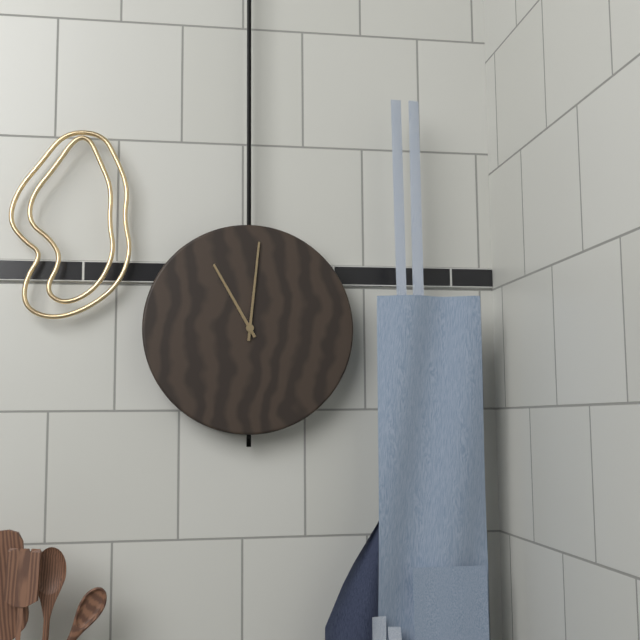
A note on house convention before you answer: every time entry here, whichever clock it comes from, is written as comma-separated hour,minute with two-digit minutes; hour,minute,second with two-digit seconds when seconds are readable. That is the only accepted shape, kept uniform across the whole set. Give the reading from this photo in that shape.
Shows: 11,01
